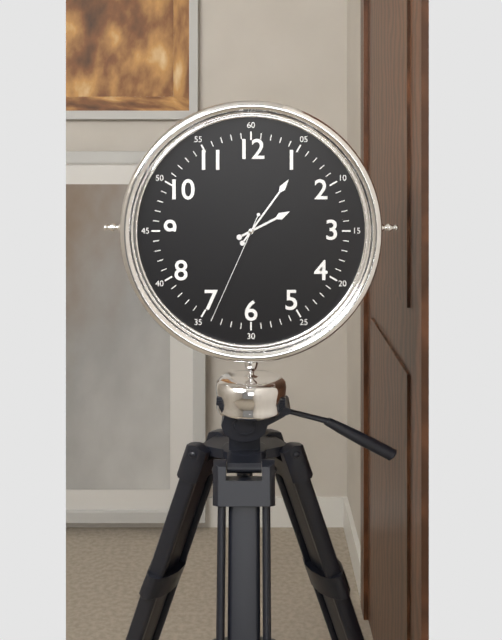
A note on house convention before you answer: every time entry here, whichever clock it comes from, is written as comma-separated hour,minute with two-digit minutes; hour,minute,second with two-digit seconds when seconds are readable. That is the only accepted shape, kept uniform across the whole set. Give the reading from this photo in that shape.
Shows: 2,06,34
